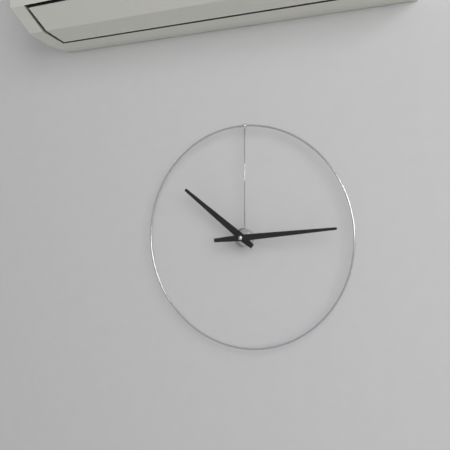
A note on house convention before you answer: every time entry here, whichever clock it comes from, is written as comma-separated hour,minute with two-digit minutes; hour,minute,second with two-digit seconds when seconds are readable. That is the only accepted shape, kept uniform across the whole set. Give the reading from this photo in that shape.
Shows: 10,14
